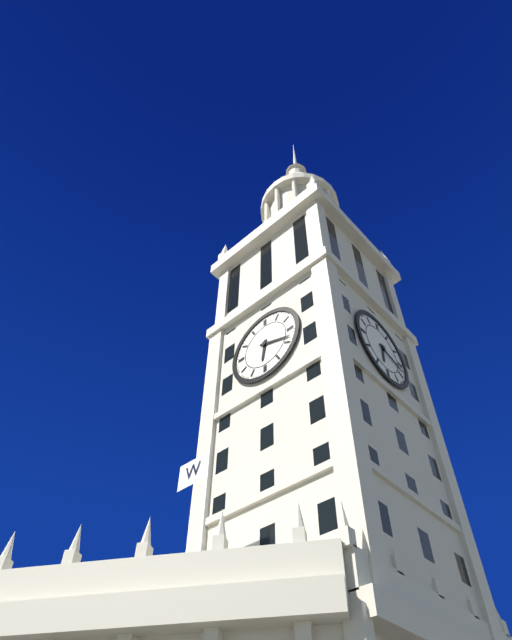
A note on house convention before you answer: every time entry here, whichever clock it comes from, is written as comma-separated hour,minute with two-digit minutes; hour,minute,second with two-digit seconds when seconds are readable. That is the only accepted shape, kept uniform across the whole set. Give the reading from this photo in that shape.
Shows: 6,18
